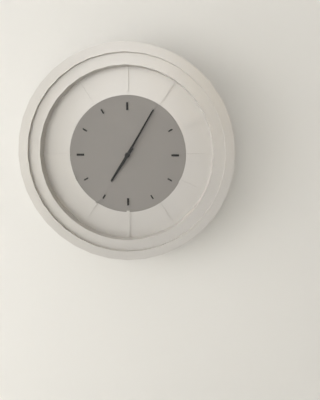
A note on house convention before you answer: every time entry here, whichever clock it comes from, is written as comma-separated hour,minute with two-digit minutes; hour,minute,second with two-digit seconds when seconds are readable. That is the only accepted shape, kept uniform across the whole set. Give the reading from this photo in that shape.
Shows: 7,05
